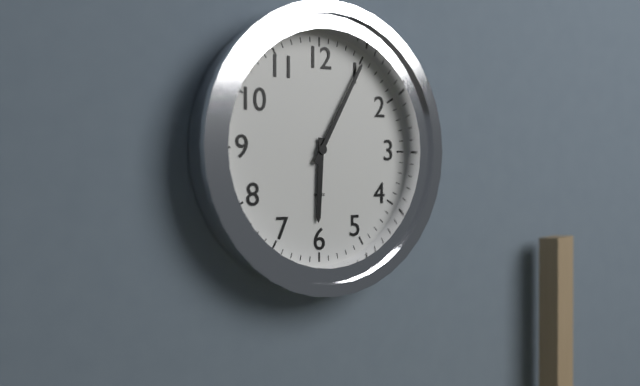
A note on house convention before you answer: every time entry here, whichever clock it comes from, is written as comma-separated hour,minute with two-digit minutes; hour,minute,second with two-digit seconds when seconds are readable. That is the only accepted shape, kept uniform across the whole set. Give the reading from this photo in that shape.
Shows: 6,05
